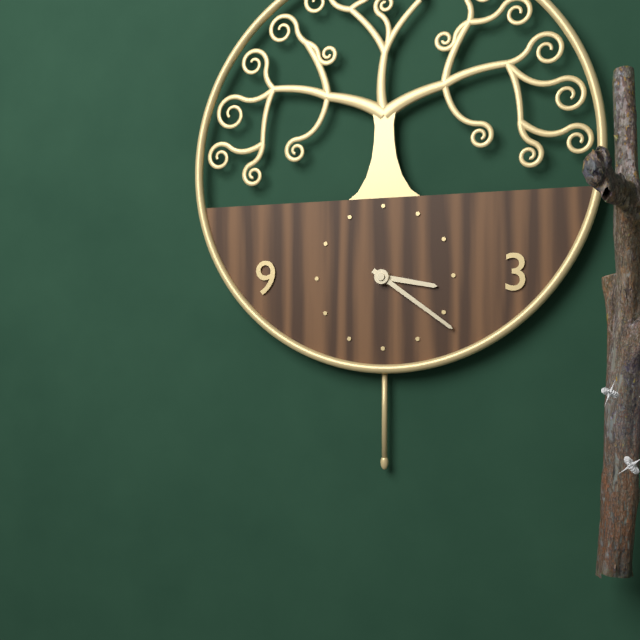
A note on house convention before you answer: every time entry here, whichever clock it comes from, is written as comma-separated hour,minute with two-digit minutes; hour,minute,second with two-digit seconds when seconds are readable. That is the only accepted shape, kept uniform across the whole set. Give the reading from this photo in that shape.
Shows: 3,21
